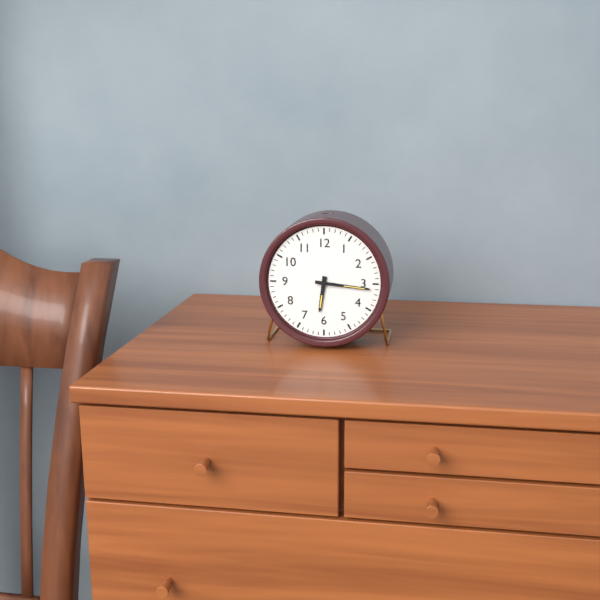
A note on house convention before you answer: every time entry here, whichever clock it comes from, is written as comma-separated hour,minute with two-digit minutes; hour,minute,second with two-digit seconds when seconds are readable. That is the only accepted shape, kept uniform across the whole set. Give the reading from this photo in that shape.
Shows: 6,16
